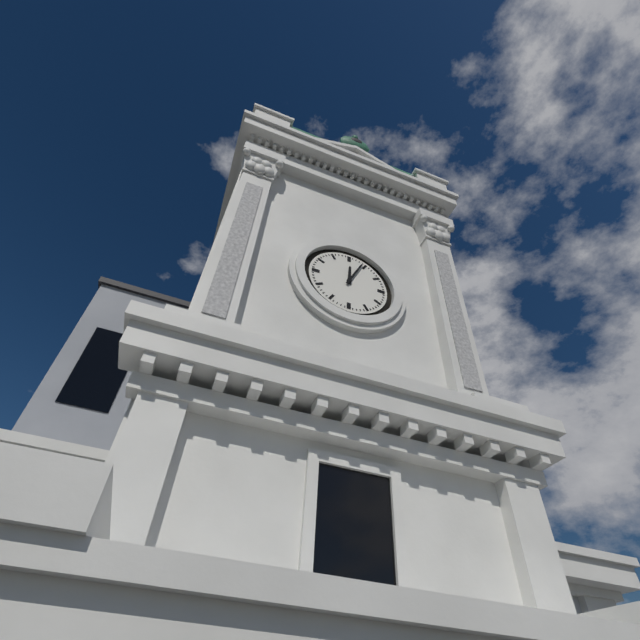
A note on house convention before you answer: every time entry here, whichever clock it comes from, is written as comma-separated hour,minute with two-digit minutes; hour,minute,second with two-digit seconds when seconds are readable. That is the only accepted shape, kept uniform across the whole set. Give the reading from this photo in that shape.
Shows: 12,04
